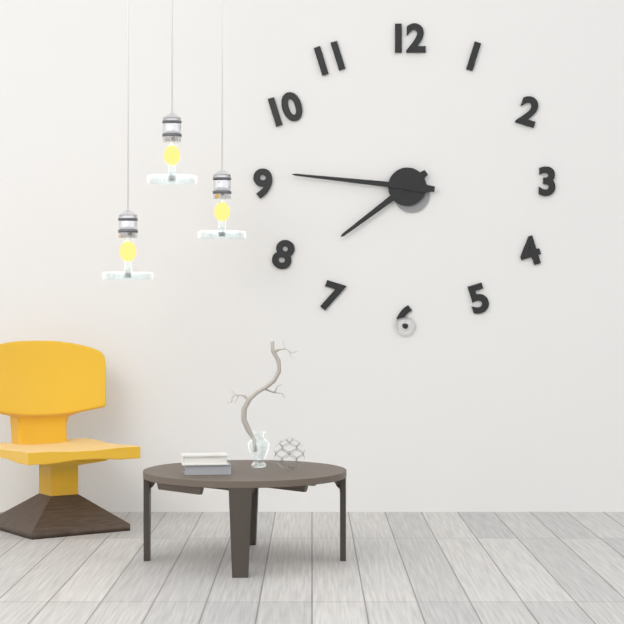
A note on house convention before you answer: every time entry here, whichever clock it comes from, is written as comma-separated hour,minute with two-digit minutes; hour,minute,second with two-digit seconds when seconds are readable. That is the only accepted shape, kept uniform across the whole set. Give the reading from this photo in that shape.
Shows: 7,46
